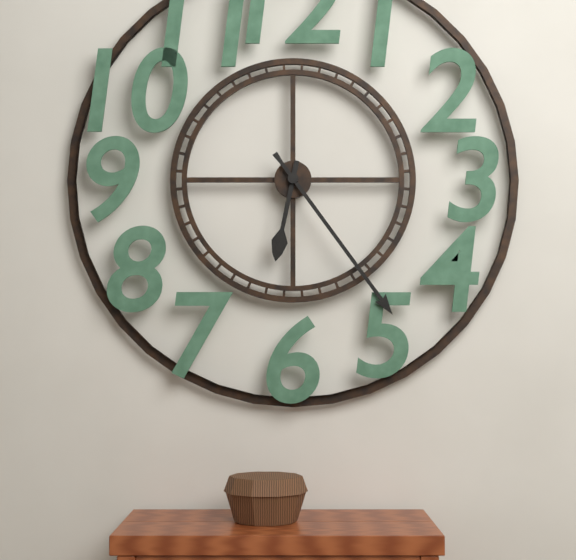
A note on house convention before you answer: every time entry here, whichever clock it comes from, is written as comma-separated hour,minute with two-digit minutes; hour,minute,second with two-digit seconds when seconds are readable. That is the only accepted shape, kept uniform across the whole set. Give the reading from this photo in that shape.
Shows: 6,24
